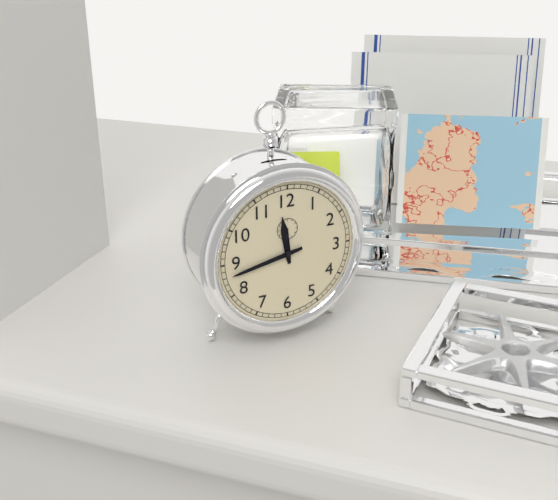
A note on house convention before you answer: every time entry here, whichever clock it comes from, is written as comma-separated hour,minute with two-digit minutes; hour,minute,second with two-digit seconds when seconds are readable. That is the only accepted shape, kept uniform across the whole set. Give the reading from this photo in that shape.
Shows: 11,43
